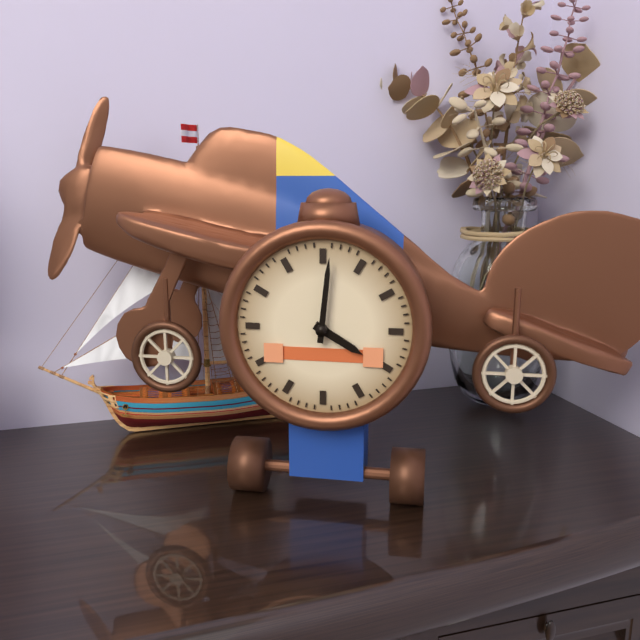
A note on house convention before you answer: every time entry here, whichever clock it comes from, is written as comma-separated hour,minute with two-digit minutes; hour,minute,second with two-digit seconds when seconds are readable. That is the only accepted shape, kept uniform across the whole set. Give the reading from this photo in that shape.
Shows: 4,01
